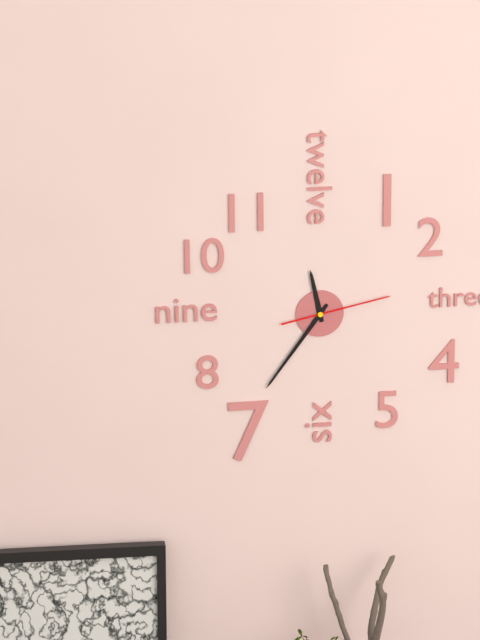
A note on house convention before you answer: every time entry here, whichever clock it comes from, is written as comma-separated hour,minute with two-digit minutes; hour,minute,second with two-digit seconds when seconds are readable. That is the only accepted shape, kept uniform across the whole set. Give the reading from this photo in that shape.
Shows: 11,36,13
